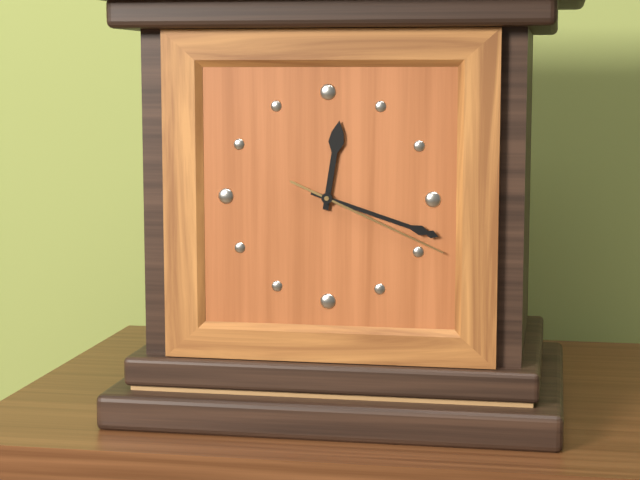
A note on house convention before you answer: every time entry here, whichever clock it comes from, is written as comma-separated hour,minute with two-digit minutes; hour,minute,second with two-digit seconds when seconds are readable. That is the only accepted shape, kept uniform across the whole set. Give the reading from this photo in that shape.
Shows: 12,18,19
